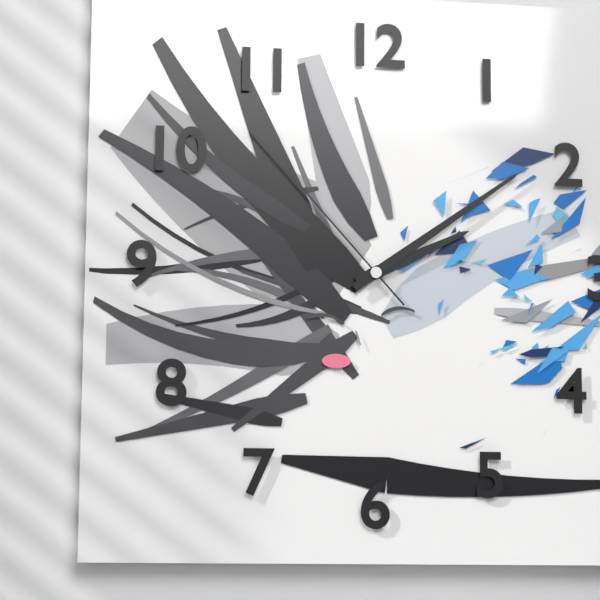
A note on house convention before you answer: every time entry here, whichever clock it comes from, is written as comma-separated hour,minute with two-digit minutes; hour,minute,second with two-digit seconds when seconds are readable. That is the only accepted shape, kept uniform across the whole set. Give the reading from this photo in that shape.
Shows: 2,09,53
